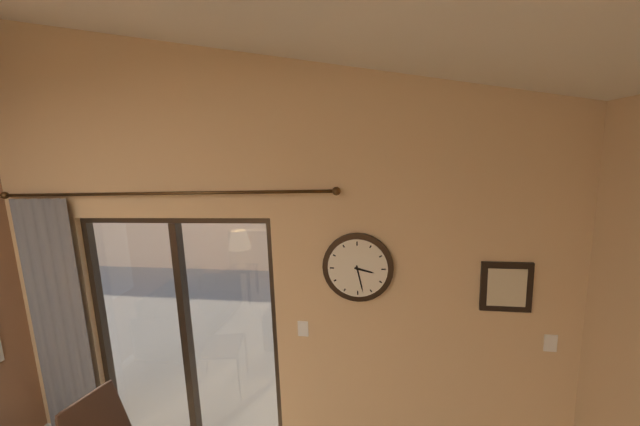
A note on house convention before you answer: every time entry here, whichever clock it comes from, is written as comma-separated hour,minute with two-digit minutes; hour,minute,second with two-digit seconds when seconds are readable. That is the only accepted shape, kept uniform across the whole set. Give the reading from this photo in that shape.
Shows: 3,28
